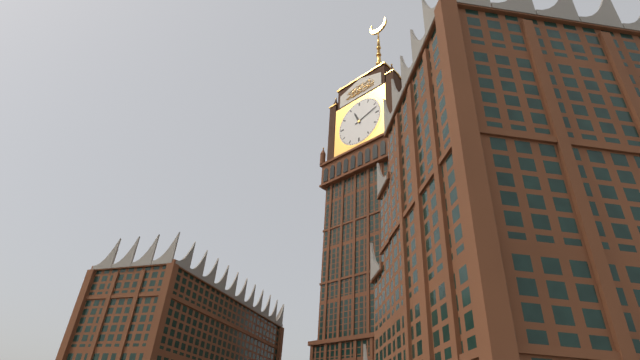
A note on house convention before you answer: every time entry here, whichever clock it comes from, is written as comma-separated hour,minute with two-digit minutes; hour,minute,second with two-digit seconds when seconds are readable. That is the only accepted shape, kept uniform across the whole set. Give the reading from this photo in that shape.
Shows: 11,12
